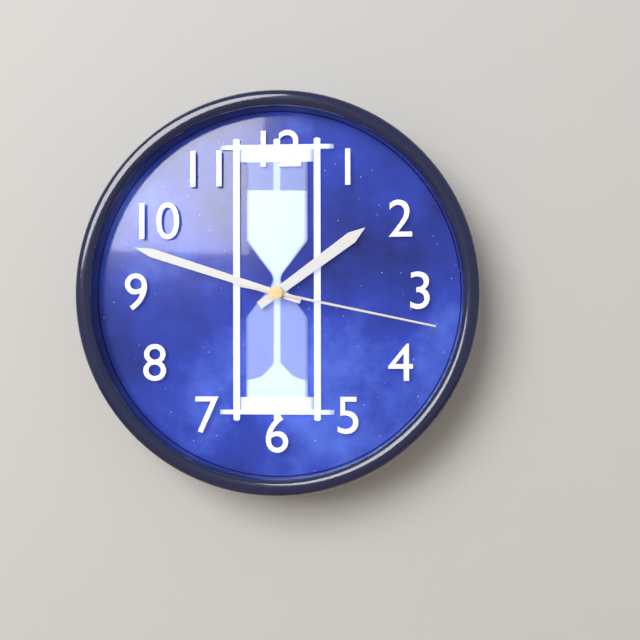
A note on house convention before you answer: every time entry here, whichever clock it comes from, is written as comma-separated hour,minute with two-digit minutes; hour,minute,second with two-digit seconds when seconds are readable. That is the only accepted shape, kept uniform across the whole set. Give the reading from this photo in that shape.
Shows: 1,48,17
